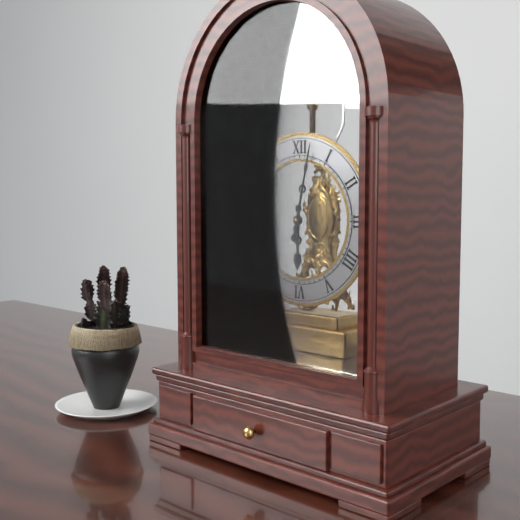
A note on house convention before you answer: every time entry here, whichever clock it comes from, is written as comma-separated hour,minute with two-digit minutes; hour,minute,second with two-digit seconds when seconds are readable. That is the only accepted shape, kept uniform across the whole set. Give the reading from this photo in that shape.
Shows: 6,02
